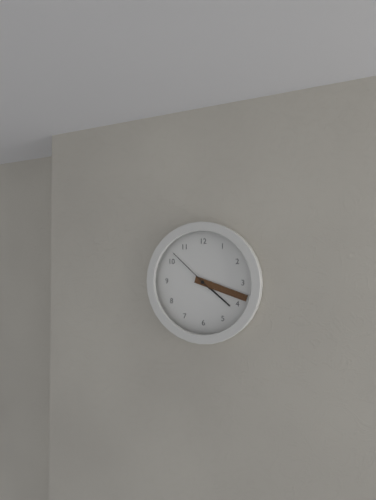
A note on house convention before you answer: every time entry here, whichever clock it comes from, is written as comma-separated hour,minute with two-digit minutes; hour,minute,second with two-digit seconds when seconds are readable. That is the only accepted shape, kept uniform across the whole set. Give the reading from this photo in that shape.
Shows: 4,18,52
